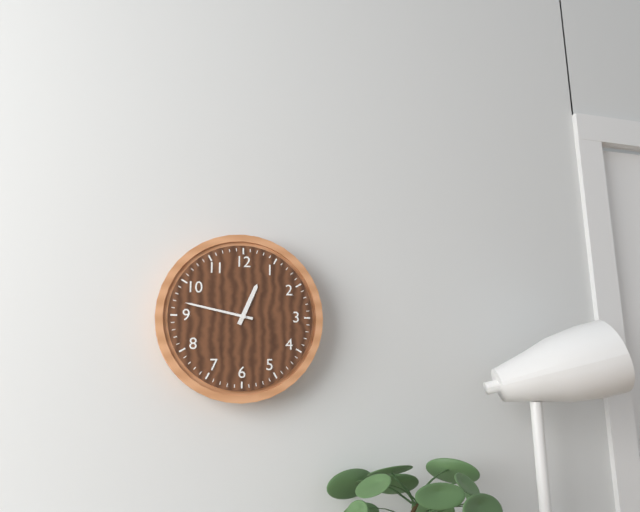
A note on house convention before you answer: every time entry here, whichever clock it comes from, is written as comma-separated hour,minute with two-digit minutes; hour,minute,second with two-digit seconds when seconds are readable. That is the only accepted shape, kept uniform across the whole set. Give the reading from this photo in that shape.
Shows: 12,47
